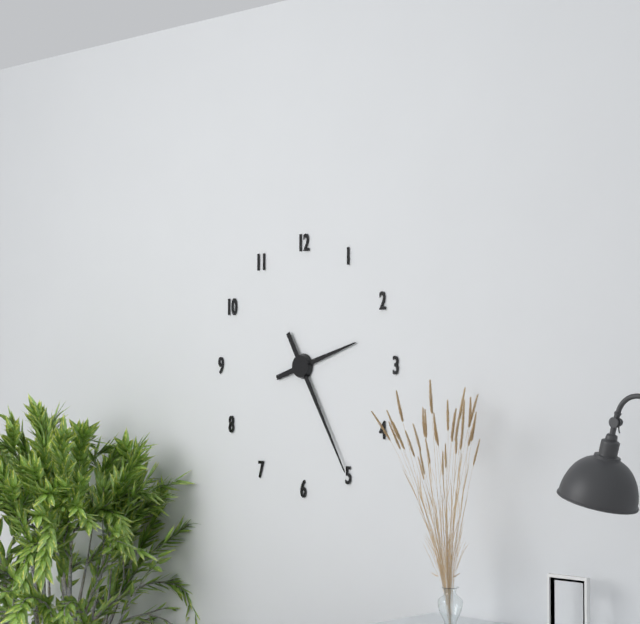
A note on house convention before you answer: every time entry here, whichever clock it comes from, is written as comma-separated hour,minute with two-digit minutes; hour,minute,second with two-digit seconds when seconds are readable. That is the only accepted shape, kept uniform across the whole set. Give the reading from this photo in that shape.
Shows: 2,25
